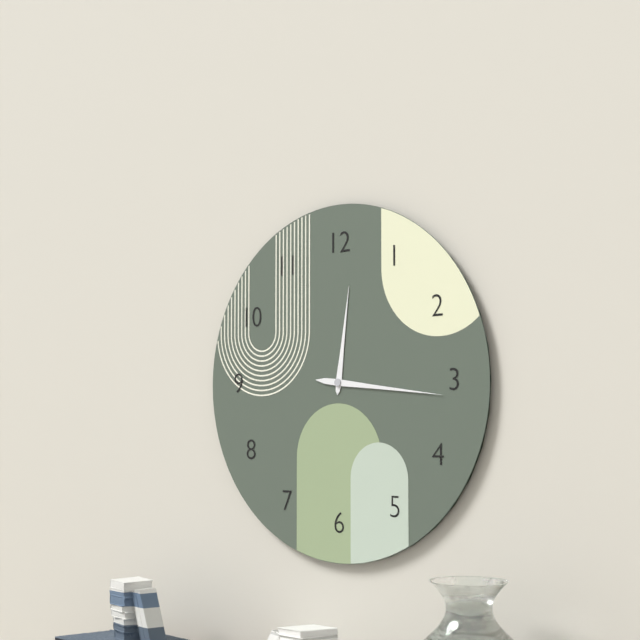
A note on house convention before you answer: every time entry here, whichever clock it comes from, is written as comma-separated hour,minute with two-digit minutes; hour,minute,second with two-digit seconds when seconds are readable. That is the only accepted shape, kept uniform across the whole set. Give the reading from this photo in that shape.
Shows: 12,16
